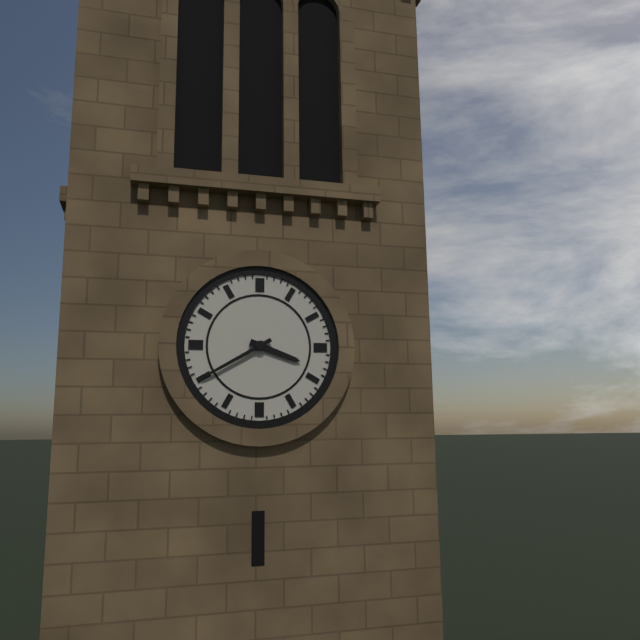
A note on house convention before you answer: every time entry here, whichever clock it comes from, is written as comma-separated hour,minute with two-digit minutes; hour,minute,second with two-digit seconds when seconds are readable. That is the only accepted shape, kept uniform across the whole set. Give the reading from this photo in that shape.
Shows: 3,40
